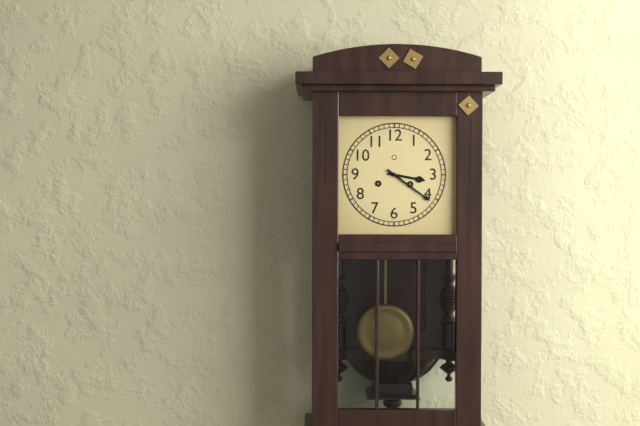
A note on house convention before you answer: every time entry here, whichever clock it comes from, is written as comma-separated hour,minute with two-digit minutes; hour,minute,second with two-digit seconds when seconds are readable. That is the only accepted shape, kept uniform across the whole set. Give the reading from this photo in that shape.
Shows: 3,21
